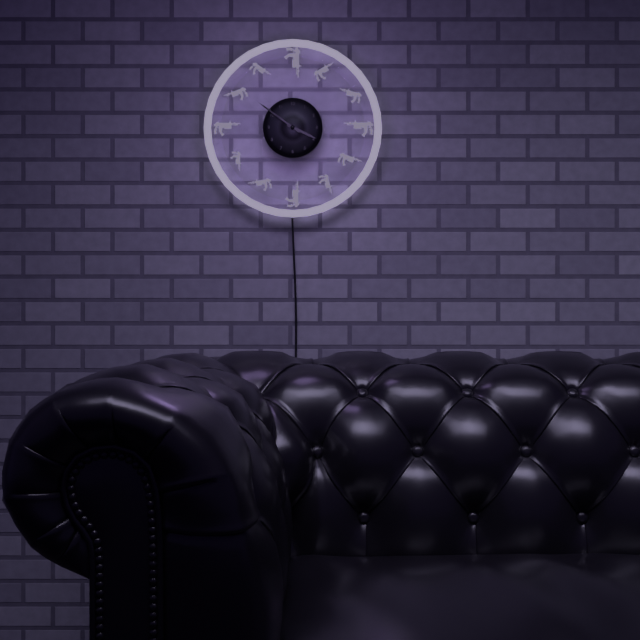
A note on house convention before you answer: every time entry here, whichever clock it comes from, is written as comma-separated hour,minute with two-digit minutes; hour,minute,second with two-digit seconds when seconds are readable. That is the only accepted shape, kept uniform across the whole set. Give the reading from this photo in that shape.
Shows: 3,51
